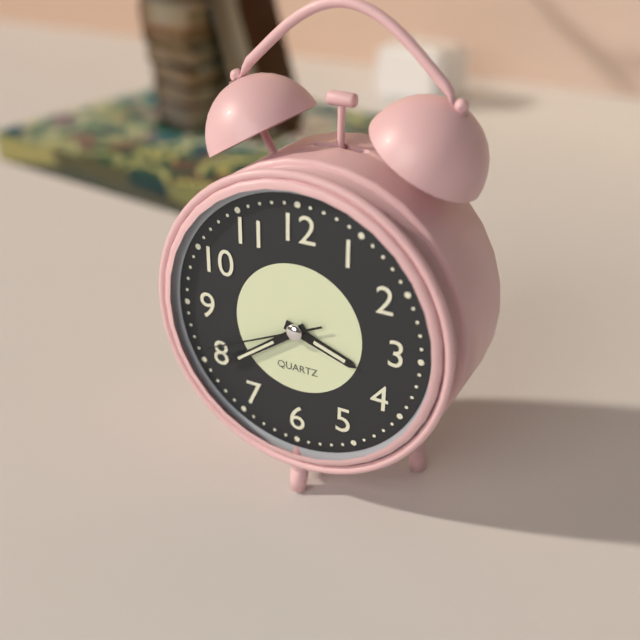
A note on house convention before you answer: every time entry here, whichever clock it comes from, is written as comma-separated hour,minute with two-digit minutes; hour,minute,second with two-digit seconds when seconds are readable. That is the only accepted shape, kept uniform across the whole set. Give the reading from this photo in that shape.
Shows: 3,39,41
